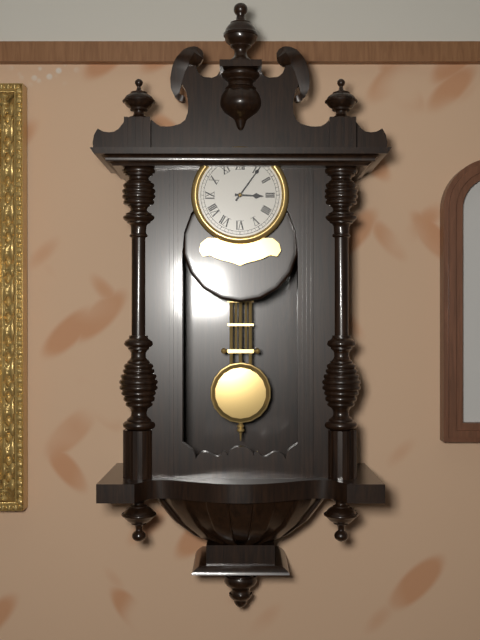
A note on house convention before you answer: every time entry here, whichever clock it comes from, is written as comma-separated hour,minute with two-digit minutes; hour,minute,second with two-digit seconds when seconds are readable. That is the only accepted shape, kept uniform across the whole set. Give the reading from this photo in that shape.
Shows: 3,06
